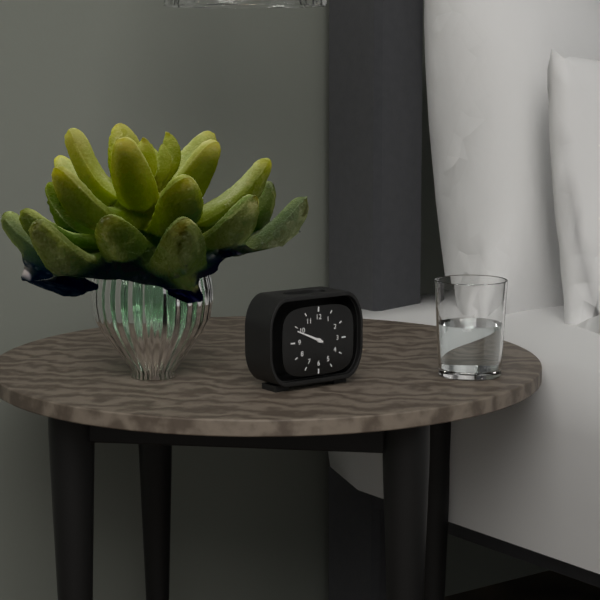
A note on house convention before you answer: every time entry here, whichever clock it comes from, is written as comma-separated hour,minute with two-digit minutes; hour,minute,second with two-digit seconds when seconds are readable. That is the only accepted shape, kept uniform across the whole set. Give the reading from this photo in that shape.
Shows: 9,49
